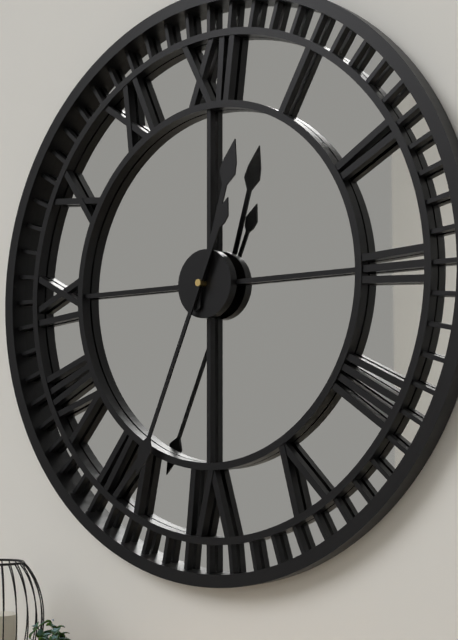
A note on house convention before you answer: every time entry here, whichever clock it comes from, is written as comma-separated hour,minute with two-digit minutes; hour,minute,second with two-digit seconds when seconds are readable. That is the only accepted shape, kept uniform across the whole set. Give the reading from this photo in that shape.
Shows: 12,34
